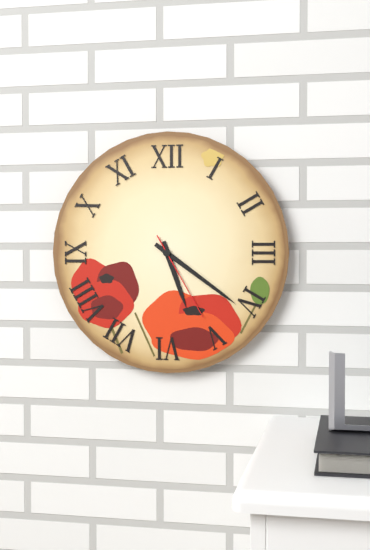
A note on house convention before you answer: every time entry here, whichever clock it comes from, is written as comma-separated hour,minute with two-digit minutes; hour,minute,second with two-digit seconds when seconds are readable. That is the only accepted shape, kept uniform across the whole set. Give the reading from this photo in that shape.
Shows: 5,21,25
